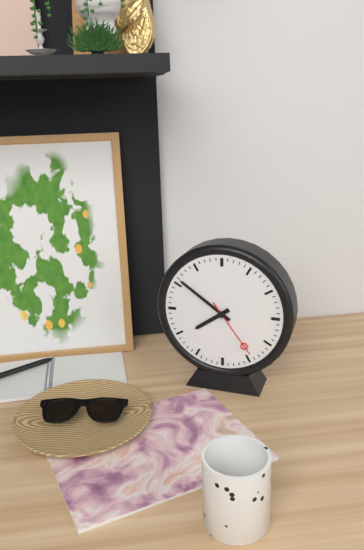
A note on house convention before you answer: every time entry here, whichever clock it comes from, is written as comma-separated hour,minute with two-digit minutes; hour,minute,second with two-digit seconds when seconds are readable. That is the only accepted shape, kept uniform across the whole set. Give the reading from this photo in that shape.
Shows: 7,51,24
